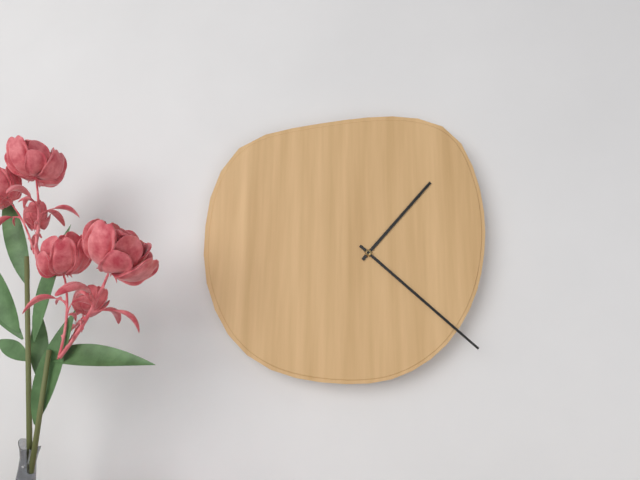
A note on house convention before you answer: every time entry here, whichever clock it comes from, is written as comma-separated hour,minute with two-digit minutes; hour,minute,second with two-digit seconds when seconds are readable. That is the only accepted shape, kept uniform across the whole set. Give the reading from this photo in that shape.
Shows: 1,22
